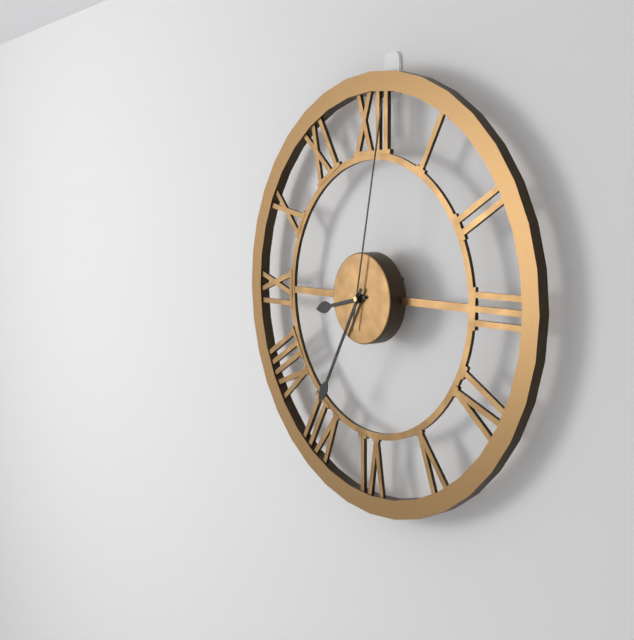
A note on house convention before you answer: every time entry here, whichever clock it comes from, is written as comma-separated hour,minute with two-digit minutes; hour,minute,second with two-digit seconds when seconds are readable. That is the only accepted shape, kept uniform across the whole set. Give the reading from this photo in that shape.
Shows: 8,35,02
